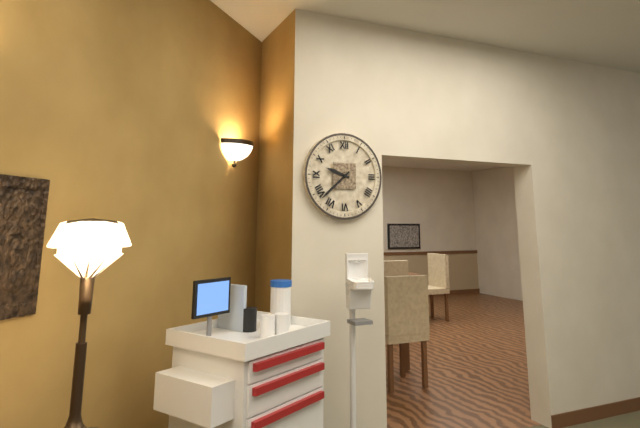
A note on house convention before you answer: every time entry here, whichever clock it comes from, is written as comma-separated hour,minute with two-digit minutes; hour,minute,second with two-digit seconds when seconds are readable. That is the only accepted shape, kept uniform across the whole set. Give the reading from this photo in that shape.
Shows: 9,38
